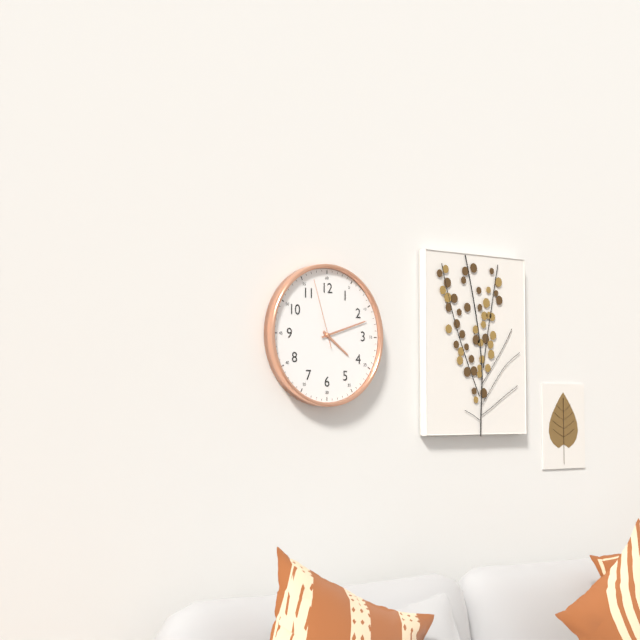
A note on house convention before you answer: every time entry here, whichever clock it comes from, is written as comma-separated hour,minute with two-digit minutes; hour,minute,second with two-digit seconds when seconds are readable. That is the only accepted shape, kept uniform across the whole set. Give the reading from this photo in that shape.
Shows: 4,12,57
